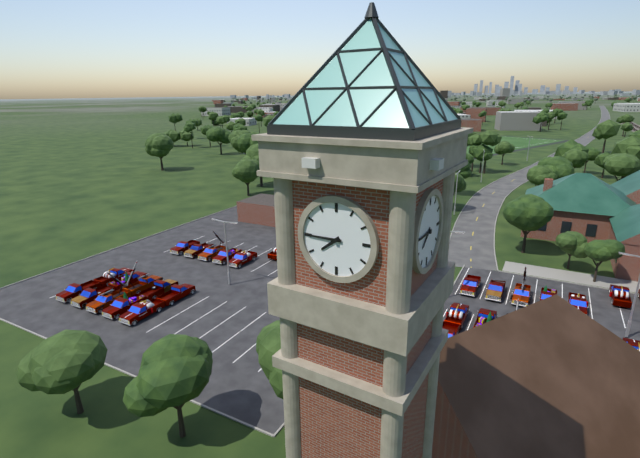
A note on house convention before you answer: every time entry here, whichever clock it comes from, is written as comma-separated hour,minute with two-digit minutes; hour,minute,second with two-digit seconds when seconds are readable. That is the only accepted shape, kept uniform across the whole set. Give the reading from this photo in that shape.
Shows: 7,45
